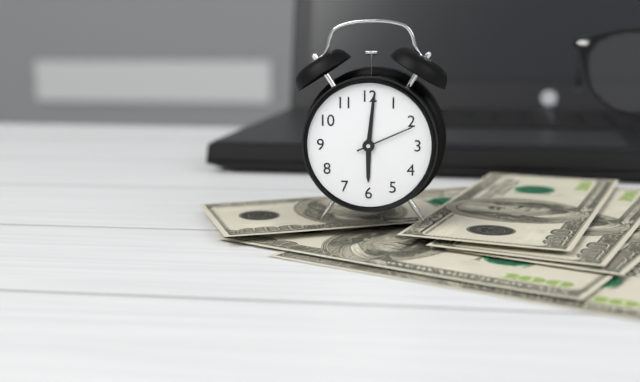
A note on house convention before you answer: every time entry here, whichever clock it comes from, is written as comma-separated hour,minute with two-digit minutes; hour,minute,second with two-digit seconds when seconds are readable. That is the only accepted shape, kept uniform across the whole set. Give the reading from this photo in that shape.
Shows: 6,01,11
